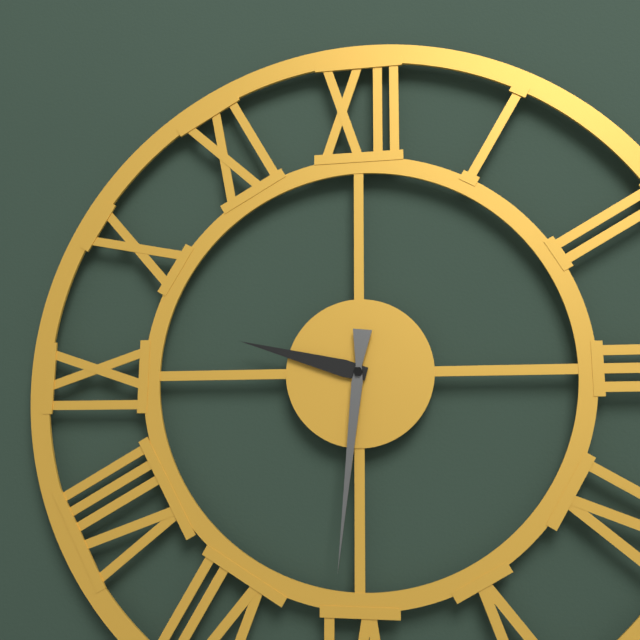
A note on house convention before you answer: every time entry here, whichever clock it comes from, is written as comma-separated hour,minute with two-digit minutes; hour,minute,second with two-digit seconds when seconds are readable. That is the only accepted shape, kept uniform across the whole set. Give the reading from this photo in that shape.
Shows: 9,31
